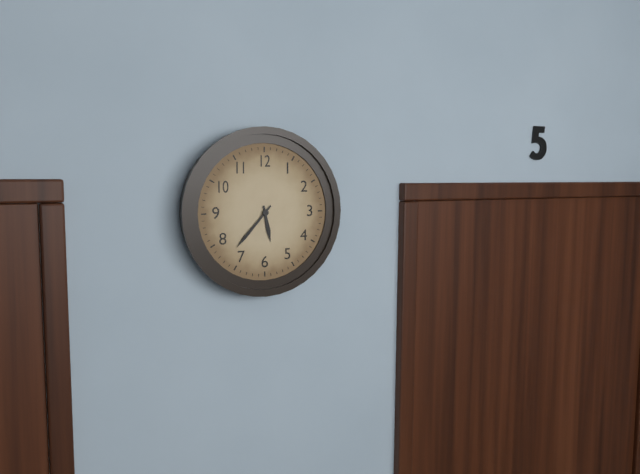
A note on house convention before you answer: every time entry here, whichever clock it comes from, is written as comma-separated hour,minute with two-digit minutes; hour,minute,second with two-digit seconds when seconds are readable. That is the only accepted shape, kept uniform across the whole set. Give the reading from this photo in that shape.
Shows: 5,37
